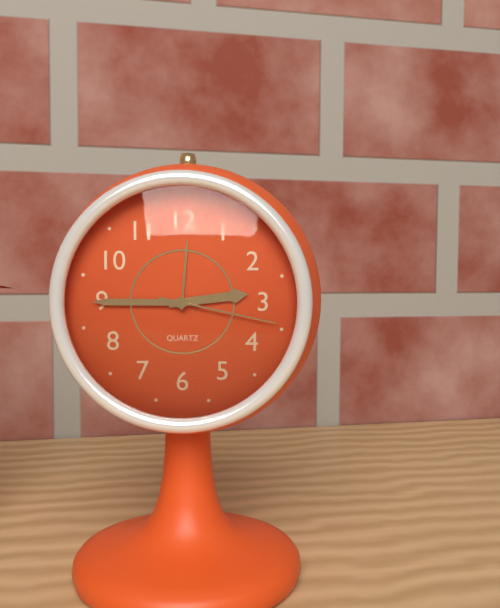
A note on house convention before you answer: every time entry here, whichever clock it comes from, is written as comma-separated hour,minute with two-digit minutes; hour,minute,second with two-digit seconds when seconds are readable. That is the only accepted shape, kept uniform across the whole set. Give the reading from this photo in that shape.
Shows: 2,45,17
